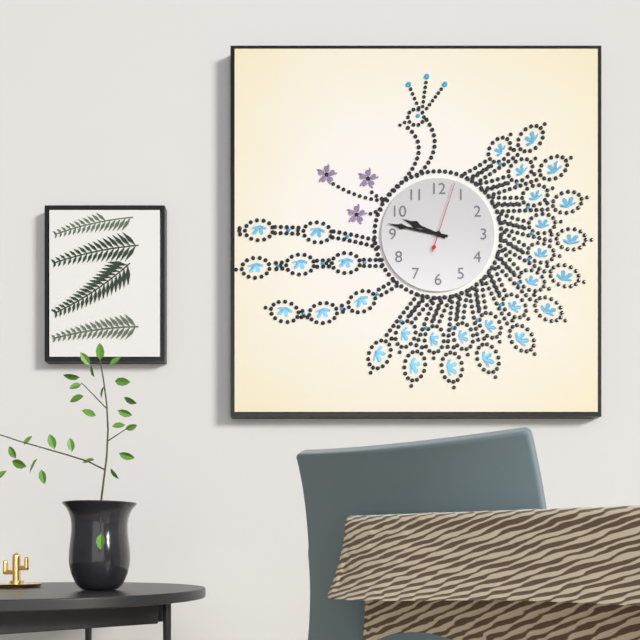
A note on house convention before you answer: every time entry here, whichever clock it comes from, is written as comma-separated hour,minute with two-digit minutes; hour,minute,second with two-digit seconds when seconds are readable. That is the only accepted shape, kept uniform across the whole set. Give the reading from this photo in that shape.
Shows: 9,47,03
